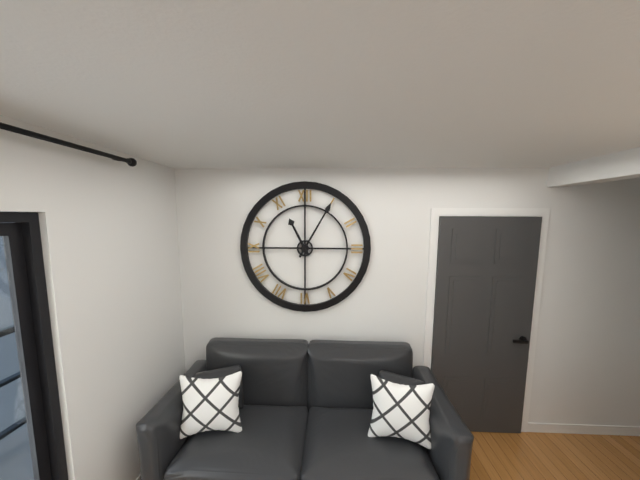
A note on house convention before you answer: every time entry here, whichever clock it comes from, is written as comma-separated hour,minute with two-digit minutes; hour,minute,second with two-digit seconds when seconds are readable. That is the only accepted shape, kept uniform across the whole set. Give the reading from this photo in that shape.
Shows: 11,05
